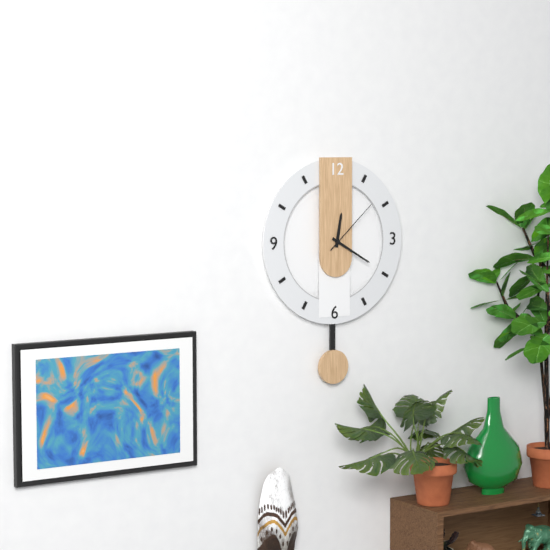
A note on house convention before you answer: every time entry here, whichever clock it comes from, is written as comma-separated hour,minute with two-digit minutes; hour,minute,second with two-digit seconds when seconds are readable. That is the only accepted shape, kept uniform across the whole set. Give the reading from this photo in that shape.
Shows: 12,20,08
